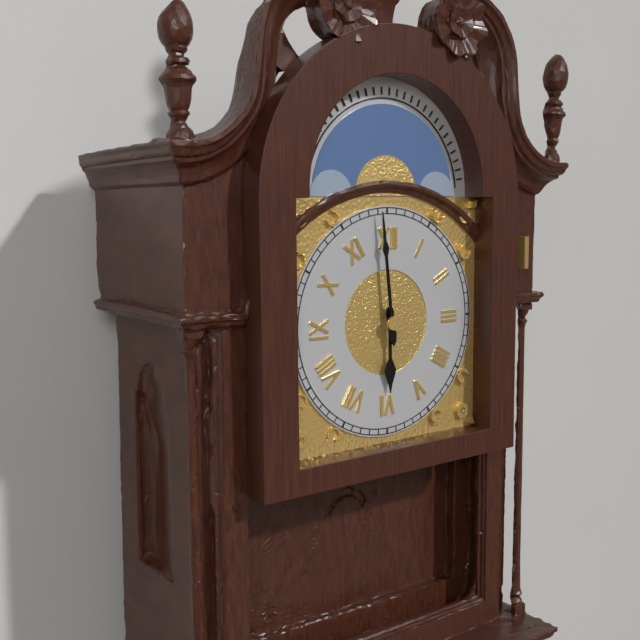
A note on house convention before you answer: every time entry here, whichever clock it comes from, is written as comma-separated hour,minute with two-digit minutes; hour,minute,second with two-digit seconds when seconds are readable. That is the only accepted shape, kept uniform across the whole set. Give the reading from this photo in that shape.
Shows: 5,59
